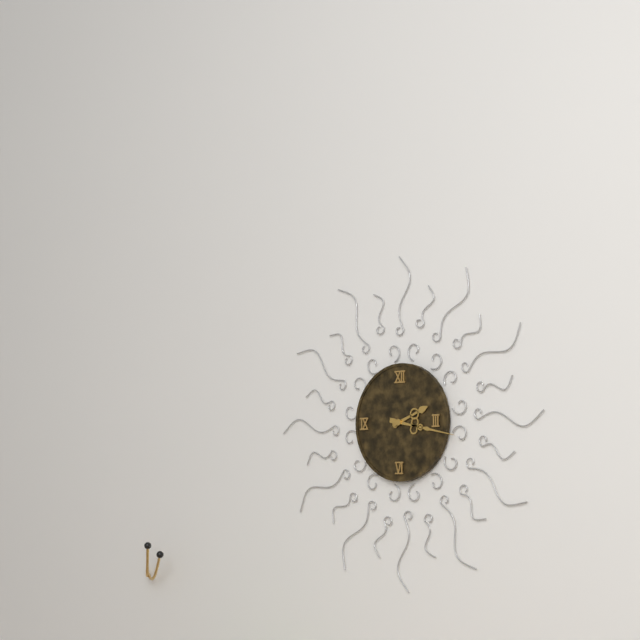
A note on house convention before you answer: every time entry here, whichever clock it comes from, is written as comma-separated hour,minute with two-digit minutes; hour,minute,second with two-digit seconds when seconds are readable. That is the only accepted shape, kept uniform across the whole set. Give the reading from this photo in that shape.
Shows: 2,17
